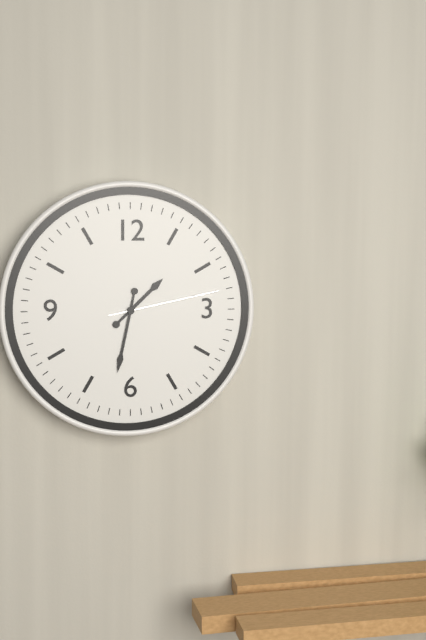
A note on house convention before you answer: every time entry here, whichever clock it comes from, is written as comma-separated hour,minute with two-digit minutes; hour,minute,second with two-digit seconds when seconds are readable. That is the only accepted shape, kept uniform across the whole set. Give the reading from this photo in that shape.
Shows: 1,32,13
